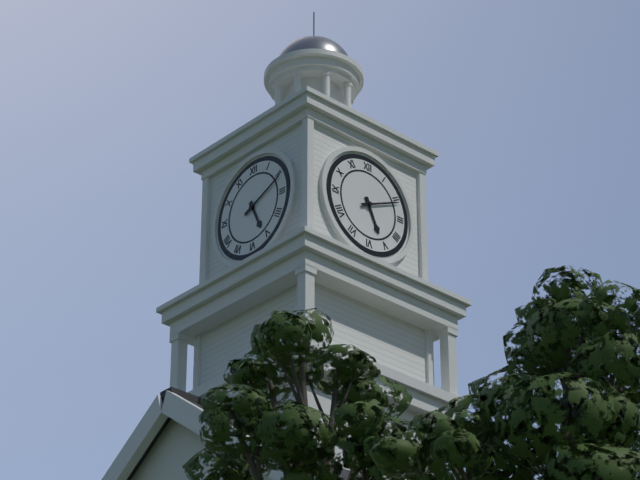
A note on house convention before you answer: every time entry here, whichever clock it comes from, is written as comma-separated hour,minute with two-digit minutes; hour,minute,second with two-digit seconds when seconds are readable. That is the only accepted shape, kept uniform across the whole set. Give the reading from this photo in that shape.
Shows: 5,11
